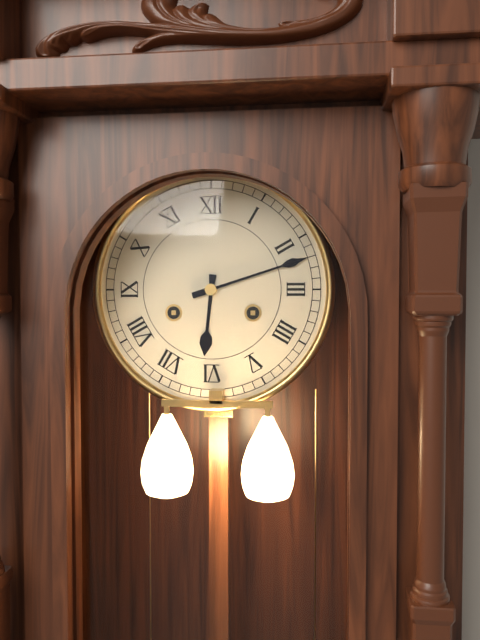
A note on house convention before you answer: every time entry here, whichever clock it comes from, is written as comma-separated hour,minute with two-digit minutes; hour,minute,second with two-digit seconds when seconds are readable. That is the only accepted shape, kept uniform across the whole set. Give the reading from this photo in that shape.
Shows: 6,12
